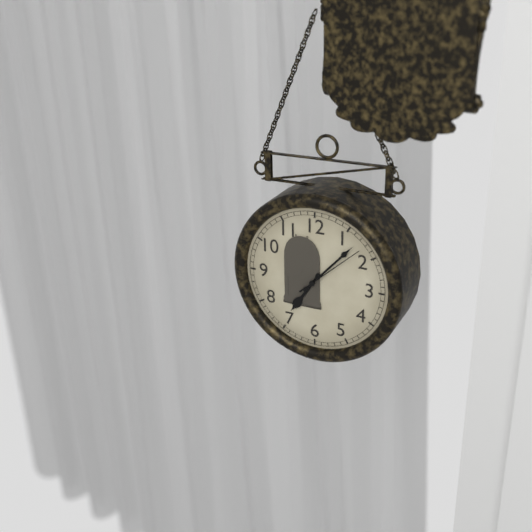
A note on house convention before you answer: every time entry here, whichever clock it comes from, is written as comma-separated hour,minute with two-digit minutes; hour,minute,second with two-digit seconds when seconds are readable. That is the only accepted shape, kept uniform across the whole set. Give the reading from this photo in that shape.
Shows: 7,07,08
